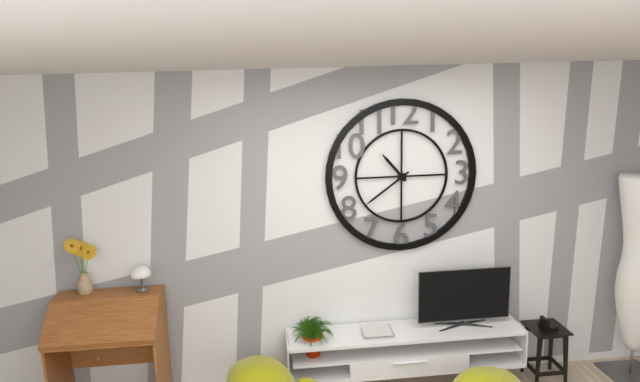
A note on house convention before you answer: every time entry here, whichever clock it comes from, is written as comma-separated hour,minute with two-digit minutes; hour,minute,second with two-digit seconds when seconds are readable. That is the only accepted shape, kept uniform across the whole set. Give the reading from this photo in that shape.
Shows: 10,39
